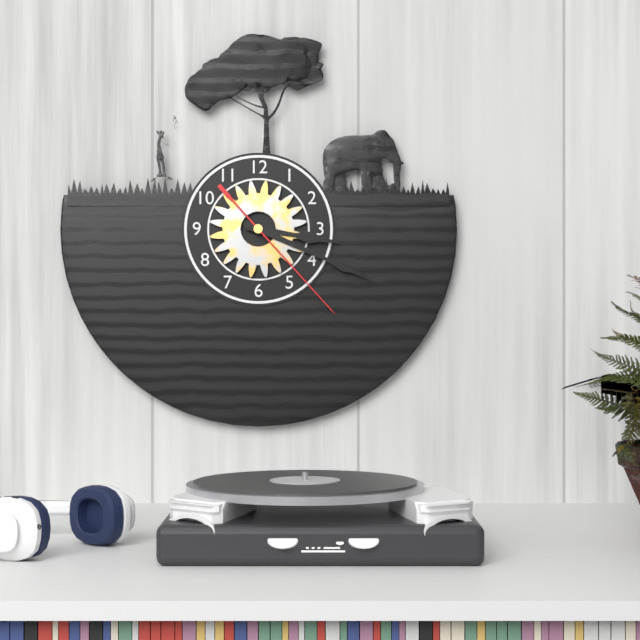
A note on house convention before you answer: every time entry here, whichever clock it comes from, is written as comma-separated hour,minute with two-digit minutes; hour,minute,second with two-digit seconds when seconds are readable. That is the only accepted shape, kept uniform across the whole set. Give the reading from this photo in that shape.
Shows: 3,19,23
